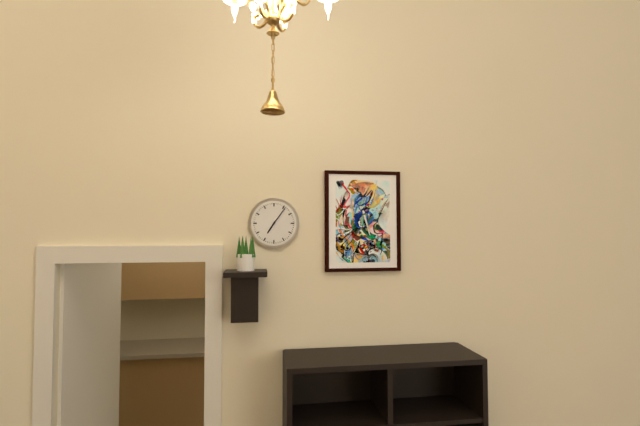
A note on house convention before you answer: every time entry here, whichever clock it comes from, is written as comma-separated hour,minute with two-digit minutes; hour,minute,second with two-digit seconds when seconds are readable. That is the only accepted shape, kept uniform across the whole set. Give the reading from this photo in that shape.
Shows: 7,06
